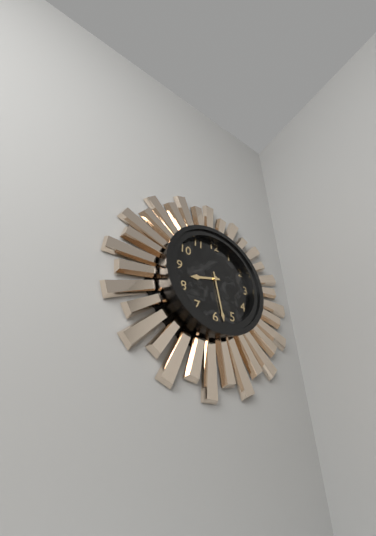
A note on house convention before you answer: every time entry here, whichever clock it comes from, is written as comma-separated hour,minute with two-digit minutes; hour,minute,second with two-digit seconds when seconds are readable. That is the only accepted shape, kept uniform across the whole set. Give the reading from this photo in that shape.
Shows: 8,28
